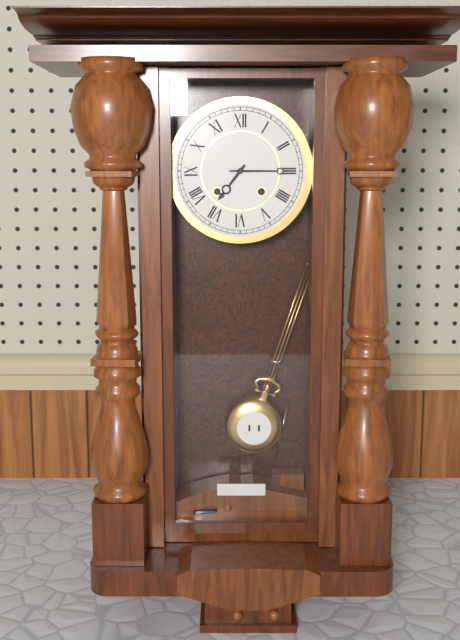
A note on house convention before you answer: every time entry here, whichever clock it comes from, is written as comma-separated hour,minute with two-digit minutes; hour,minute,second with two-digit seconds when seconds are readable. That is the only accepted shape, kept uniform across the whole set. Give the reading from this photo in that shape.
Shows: 7,15
